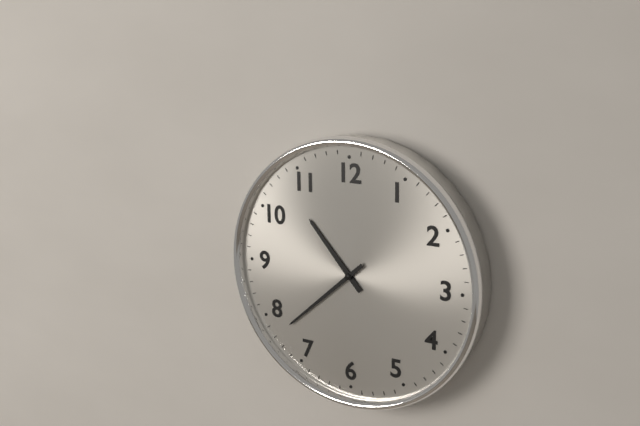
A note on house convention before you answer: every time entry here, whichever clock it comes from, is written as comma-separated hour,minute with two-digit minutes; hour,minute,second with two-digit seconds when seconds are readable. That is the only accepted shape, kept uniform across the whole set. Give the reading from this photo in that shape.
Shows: 10,38
